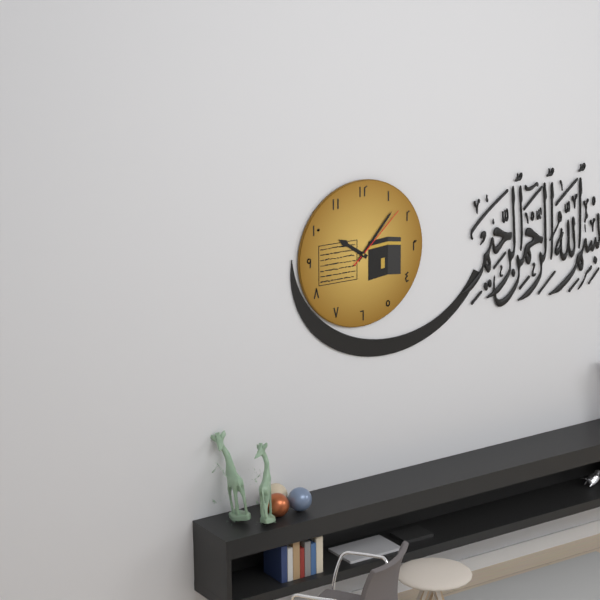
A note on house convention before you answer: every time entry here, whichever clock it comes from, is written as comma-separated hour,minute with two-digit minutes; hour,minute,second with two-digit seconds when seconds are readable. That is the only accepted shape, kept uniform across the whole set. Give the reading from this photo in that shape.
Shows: 10,07,08
